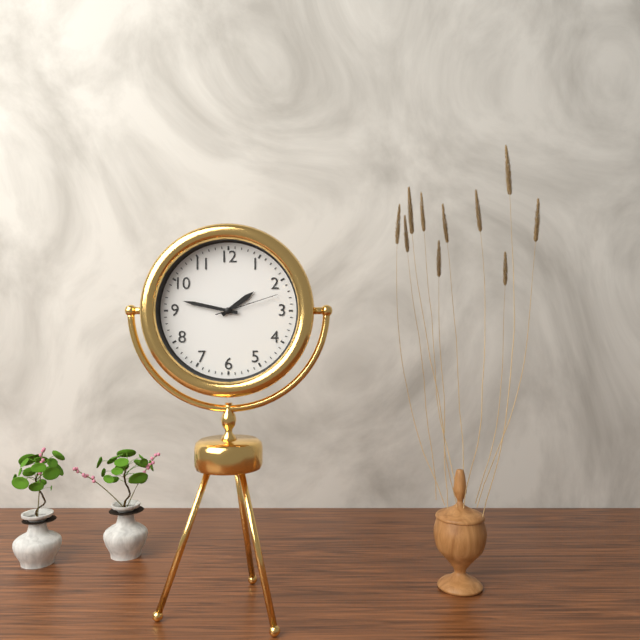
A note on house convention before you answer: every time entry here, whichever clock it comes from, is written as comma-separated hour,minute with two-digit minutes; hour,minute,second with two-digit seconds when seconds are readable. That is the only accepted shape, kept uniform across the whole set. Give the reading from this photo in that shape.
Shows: 1,47,12
